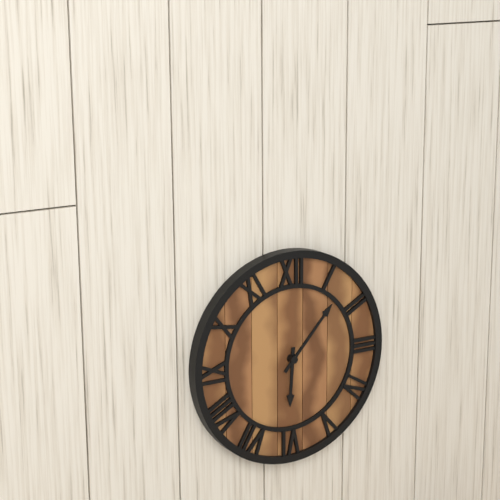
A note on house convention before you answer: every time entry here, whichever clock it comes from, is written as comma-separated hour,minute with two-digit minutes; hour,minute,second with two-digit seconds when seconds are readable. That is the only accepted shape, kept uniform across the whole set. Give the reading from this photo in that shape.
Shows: 6,07
